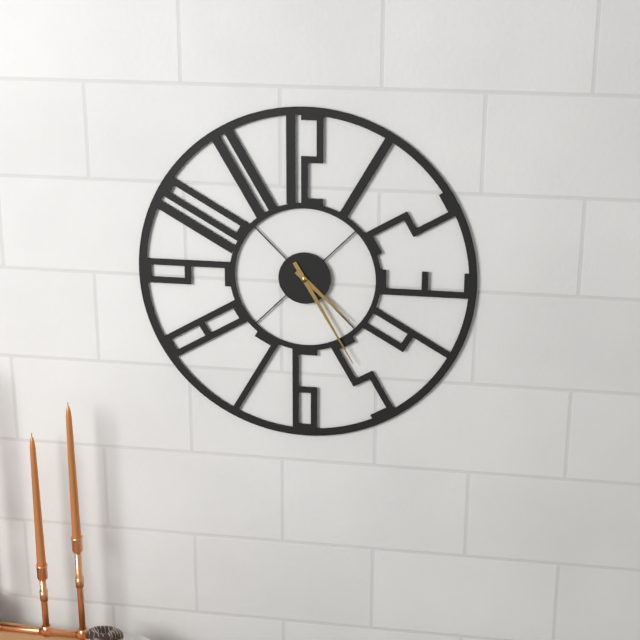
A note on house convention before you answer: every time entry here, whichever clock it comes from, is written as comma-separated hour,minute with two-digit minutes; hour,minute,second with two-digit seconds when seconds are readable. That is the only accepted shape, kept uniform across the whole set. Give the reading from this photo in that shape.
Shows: 4,25
